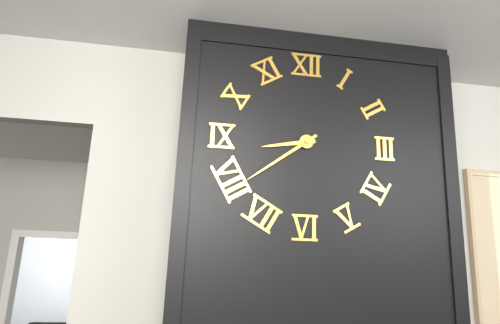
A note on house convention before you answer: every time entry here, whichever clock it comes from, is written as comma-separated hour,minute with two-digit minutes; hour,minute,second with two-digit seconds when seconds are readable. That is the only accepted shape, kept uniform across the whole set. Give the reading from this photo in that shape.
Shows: 8,39
